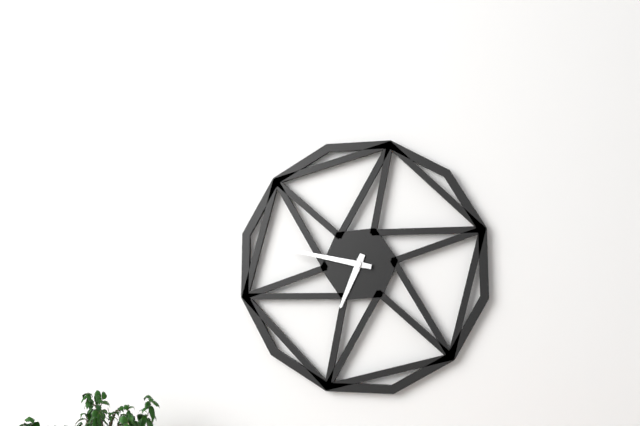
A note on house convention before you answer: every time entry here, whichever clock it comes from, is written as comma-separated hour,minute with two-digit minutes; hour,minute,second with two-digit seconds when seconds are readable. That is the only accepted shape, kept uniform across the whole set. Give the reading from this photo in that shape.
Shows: 6,47
